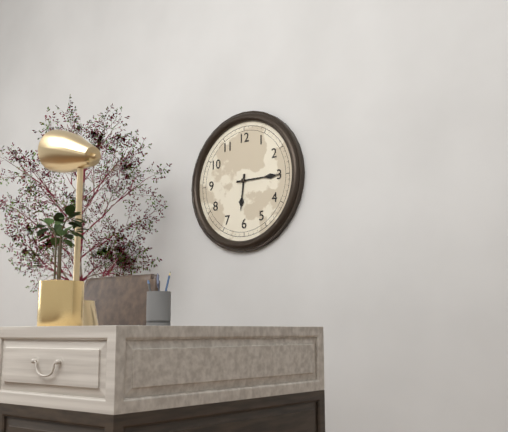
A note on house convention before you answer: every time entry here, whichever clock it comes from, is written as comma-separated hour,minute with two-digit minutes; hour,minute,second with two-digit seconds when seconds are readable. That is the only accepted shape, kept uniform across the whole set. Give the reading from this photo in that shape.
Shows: 6,15
